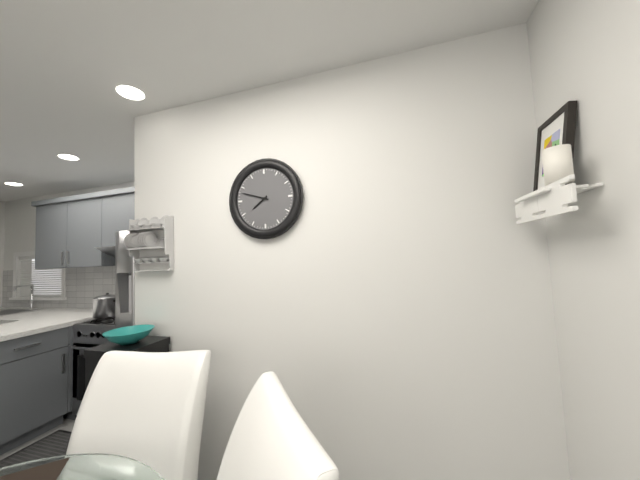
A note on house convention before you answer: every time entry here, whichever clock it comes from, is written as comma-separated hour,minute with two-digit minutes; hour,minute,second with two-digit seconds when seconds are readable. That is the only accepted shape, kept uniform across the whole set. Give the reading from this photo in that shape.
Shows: 7,48
